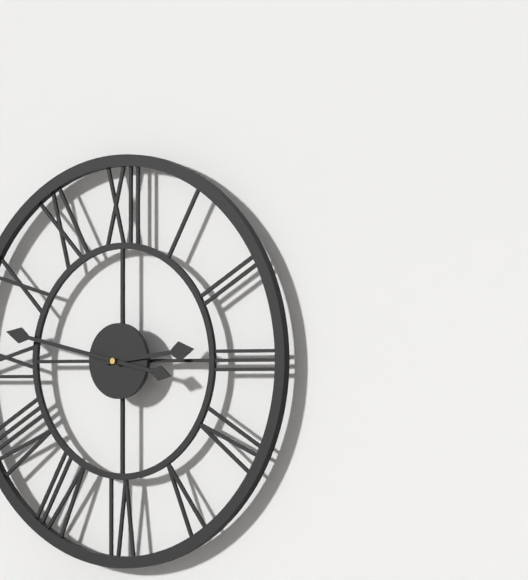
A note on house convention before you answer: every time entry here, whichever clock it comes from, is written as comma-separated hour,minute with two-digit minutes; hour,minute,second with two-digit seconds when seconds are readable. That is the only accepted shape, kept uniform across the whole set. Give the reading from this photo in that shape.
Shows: 2,47
